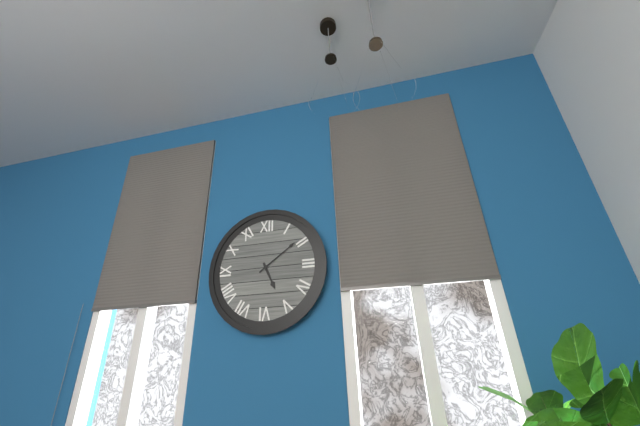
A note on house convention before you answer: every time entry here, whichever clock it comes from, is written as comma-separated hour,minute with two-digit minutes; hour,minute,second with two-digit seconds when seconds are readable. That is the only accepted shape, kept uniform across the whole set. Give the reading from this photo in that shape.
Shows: 5,09
